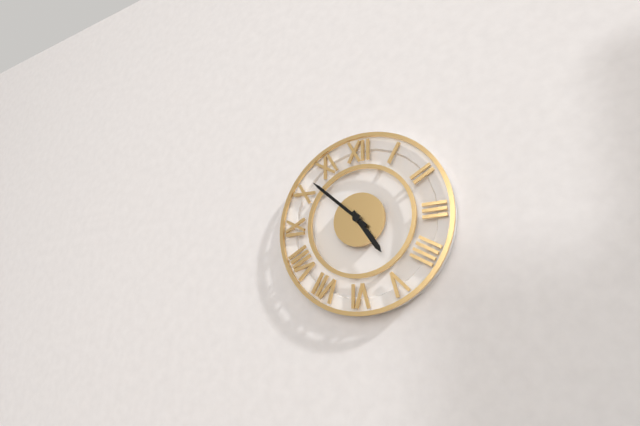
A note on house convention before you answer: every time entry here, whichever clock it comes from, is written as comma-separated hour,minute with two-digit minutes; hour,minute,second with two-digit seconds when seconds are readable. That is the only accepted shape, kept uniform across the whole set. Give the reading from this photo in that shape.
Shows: 4,52
